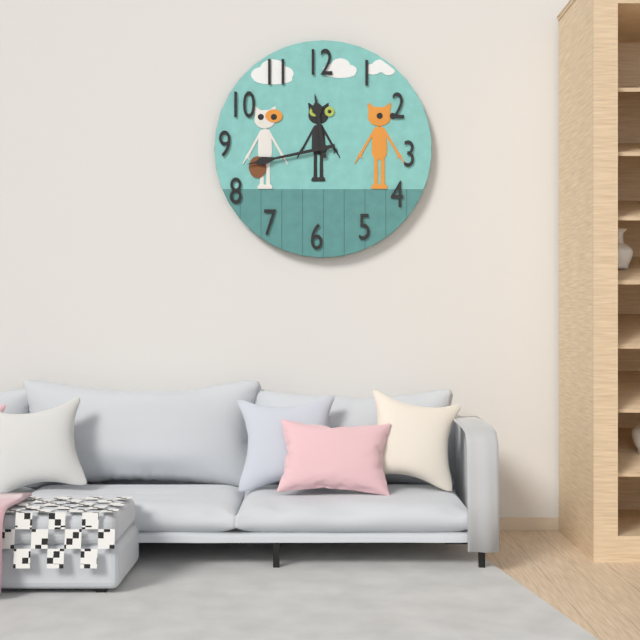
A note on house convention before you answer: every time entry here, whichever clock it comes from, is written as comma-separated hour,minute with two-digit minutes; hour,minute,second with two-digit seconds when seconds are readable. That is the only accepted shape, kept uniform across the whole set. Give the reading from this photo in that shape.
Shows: 11,43
